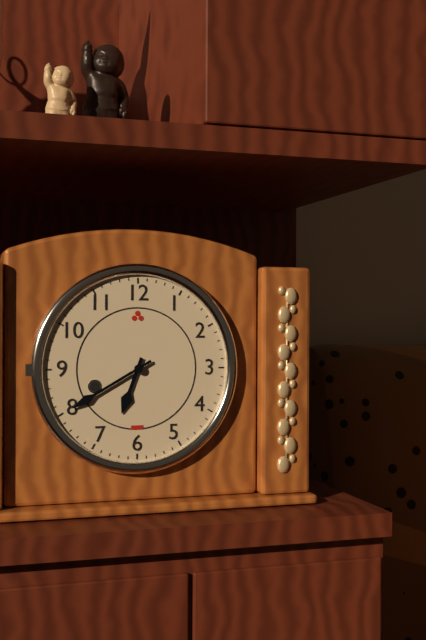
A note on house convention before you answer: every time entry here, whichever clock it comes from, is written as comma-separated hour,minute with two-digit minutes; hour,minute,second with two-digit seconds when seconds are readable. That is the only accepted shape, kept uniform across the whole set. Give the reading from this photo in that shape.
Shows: 6,40
